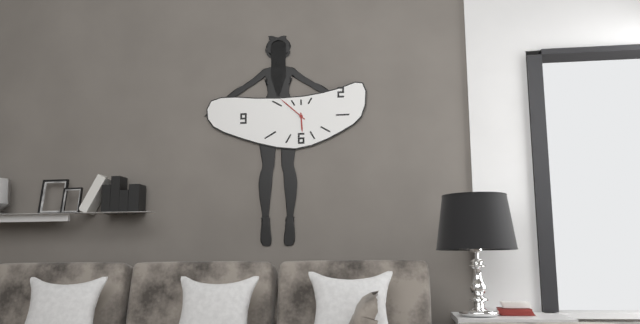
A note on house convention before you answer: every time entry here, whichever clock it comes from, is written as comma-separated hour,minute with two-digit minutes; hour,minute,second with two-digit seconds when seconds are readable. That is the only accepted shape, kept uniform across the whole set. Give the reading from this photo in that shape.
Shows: 5,52
